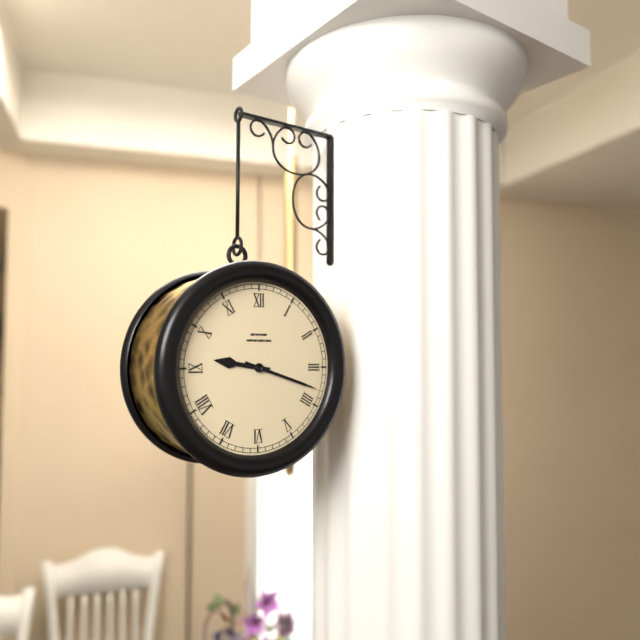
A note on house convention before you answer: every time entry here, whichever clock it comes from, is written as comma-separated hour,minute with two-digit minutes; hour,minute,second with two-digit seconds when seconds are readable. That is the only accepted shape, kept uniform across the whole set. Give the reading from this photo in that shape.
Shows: 9,18
